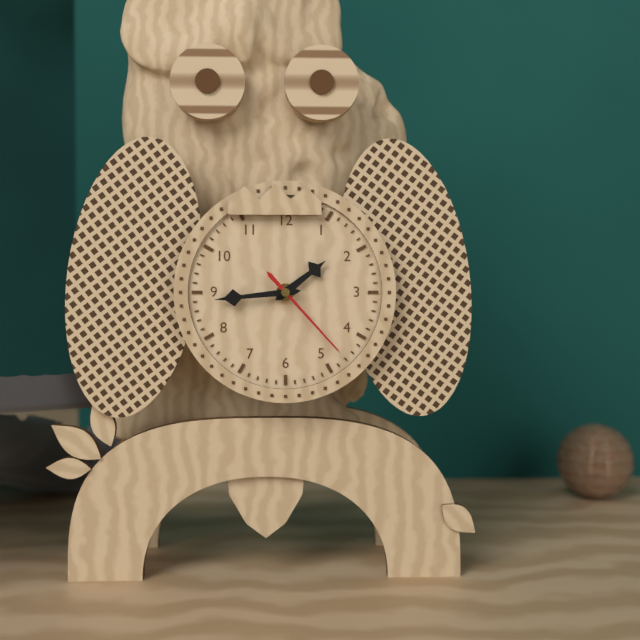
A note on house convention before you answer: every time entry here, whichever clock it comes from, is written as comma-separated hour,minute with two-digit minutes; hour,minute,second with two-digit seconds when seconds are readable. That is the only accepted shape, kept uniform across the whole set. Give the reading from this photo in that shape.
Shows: 1,44,23
